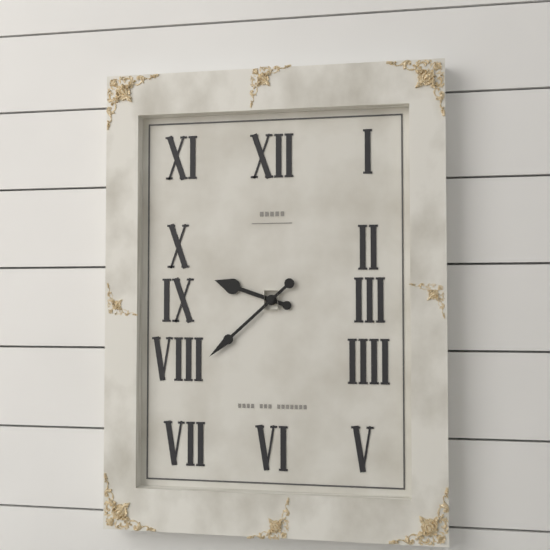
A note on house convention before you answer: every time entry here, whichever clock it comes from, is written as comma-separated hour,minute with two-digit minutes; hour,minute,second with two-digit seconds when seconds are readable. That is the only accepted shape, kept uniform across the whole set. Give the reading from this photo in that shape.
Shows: 9,38
